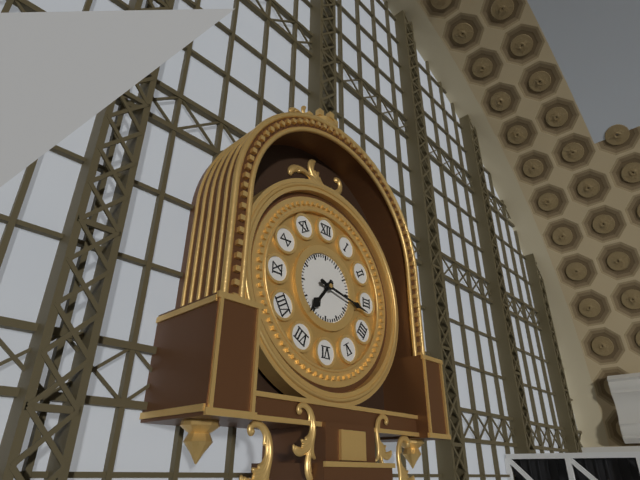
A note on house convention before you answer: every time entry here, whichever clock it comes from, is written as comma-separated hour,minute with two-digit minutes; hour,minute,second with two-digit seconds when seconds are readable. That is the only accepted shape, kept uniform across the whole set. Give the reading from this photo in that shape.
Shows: 7,17
